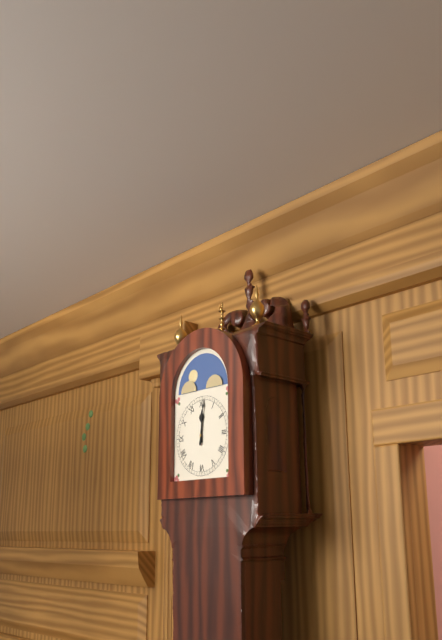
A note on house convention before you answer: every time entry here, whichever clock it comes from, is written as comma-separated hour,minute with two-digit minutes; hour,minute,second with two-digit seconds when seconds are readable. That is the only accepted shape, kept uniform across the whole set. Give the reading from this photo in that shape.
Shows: 12,01
